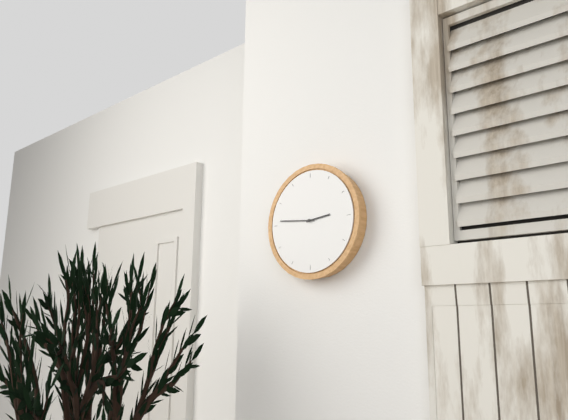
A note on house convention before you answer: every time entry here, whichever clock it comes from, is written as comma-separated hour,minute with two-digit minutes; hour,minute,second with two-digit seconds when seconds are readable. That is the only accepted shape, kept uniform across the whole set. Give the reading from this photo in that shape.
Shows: 2,46
